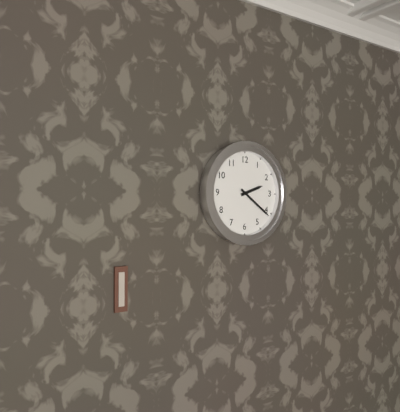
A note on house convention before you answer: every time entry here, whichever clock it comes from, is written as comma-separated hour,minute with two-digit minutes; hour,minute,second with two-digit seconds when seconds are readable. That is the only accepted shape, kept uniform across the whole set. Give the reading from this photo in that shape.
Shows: 2,21
